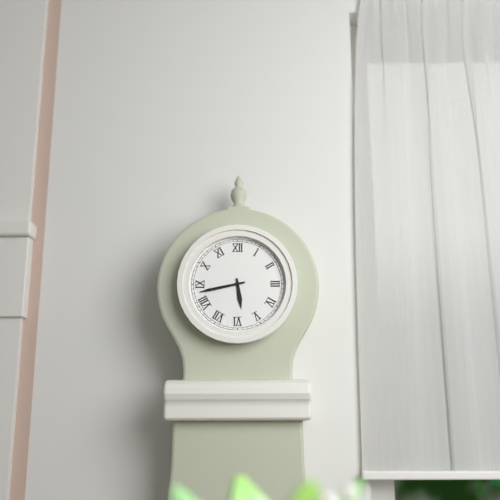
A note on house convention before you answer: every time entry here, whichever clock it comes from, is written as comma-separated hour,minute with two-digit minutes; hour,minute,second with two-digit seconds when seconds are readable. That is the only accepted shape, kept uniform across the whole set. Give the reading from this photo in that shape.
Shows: 5,43
